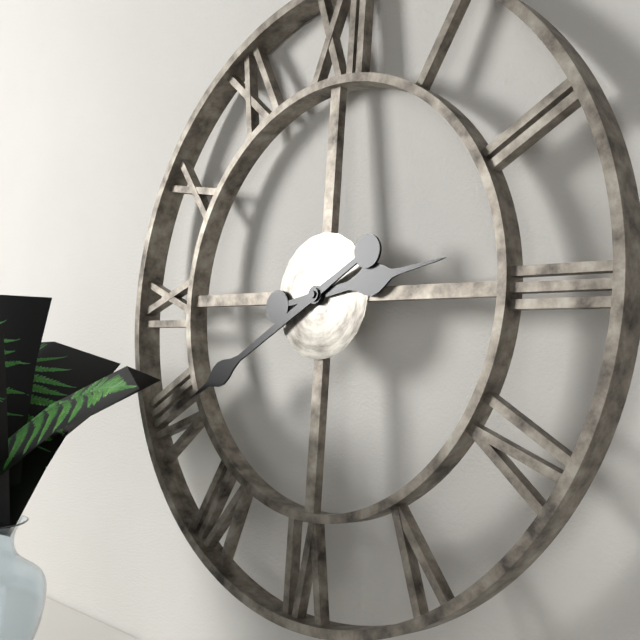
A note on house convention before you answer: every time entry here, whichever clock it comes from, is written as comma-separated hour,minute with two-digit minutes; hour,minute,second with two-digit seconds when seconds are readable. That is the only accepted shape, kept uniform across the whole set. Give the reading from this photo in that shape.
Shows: 2,40
